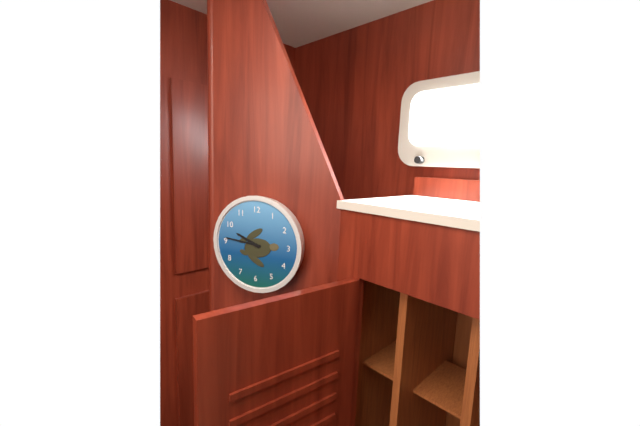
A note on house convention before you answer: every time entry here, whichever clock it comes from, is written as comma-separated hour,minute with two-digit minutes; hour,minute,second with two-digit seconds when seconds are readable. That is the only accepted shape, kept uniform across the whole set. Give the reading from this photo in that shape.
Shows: 9,46
